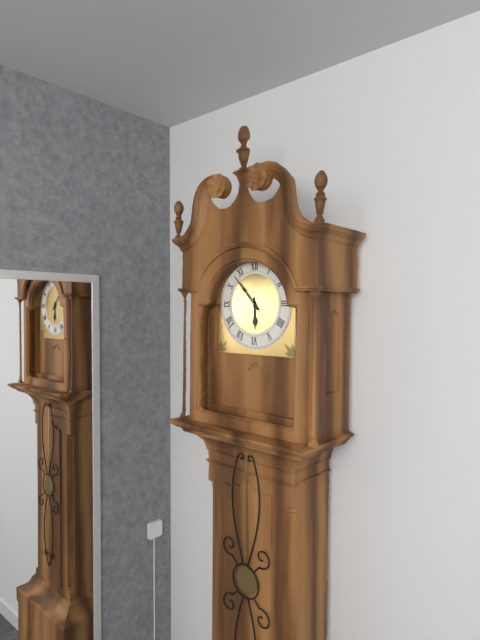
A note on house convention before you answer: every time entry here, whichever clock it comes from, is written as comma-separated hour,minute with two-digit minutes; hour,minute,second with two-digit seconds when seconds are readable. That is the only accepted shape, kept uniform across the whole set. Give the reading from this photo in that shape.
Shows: 5,53
